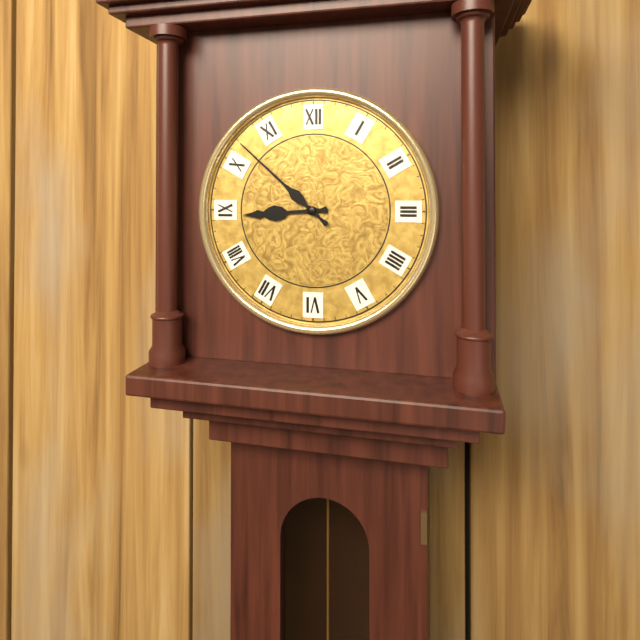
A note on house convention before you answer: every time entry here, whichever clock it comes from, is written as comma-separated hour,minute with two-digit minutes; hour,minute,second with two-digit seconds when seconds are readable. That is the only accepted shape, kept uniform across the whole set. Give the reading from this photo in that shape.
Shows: 8,52
